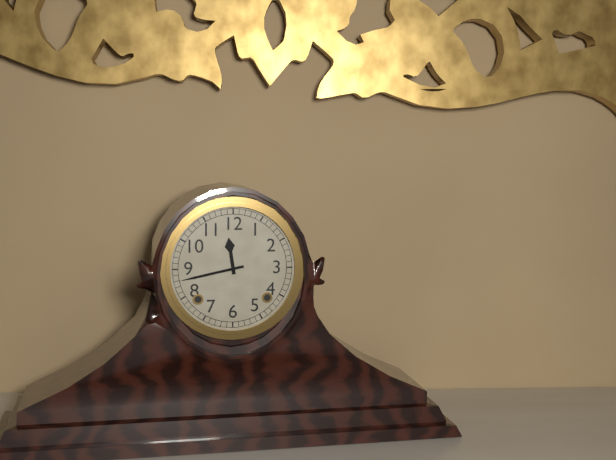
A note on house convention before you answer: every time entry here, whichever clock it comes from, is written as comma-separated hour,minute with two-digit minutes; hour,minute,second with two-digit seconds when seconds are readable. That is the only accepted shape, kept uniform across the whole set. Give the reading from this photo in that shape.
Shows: 11,43
